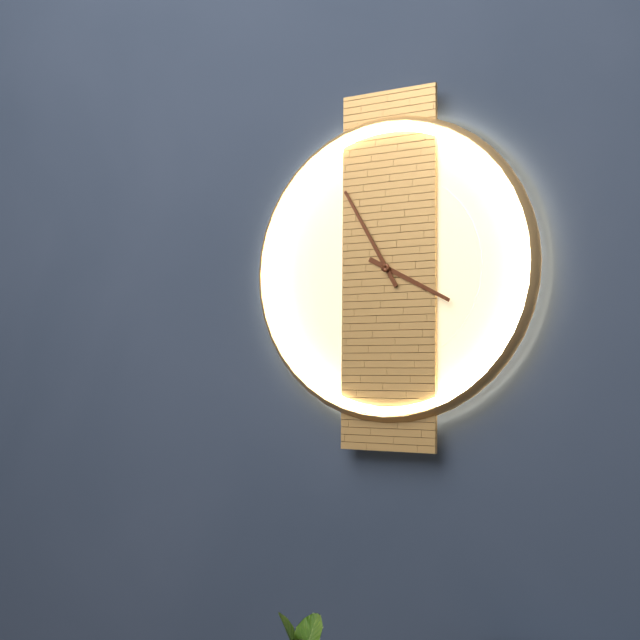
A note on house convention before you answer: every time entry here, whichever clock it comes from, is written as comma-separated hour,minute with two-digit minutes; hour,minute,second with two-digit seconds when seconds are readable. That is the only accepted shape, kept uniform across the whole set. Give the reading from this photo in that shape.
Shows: 3,55
